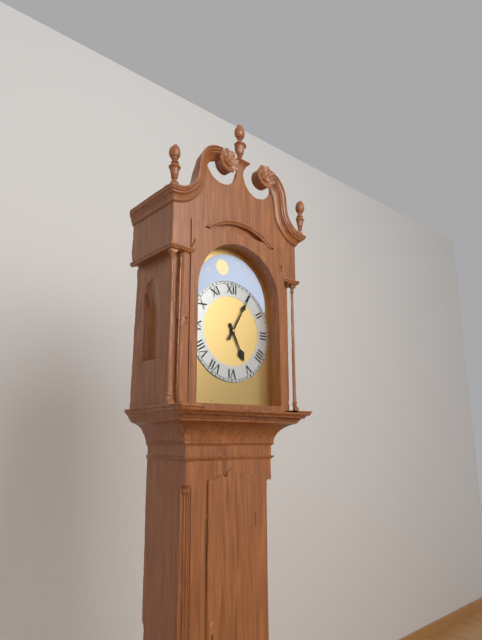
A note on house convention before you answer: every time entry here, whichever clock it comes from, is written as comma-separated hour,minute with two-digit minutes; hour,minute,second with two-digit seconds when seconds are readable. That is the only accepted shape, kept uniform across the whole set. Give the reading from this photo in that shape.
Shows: 5,05
